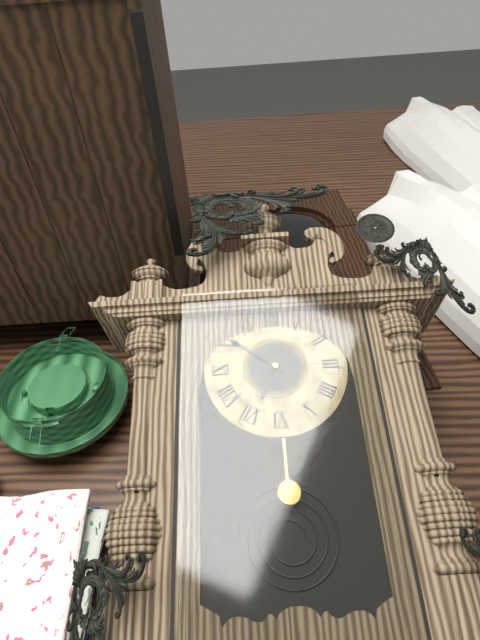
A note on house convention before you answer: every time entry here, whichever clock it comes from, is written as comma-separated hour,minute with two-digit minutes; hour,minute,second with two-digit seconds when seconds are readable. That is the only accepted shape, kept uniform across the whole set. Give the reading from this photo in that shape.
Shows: 6,51
